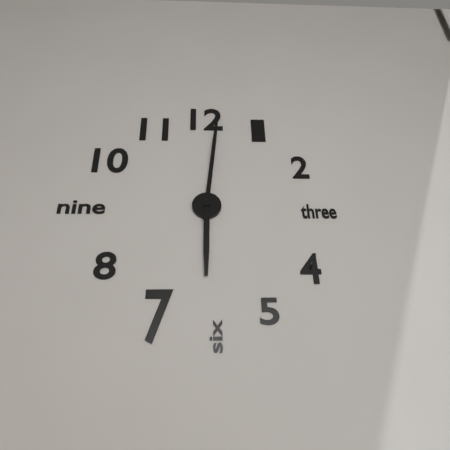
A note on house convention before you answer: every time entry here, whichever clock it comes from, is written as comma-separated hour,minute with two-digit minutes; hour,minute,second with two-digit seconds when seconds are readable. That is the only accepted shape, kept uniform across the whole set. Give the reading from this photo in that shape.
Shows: 6,01
